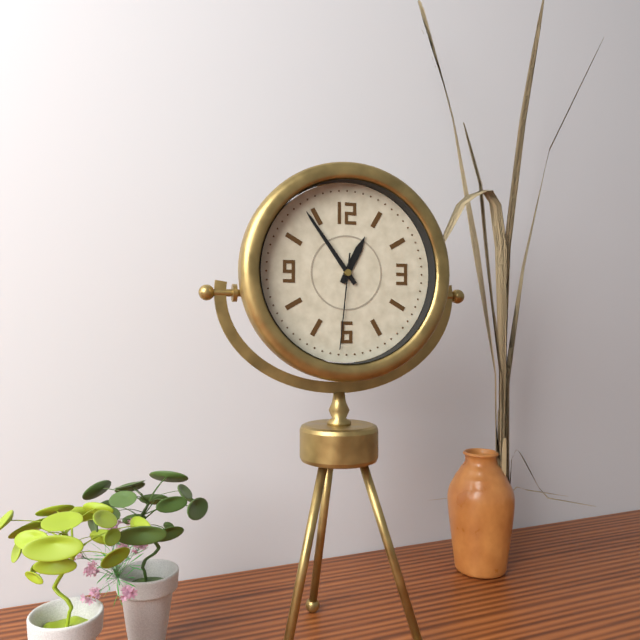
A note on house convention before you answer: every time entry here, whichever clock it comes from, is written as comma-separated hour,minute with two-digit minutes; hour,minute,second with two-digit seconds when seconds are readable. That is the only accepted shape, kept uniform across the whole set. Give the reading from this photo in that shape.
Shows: 12,54,31
